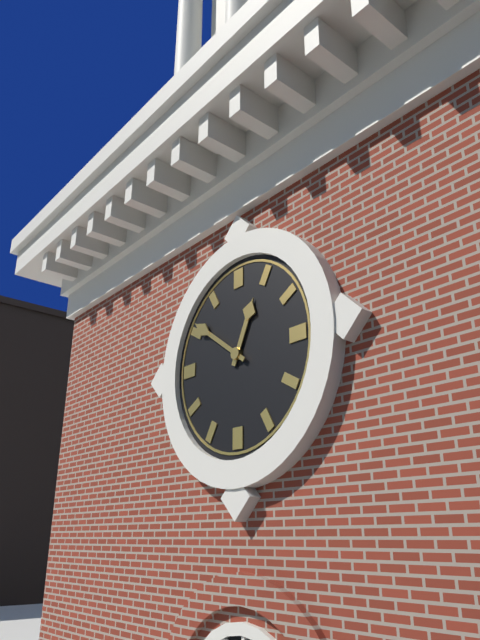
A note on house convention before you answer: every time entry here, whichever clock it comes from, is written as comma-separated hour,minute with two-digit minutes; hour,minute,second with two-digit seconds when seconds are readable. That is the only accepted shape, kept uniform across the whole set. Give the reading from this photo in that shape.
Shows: 12,51
